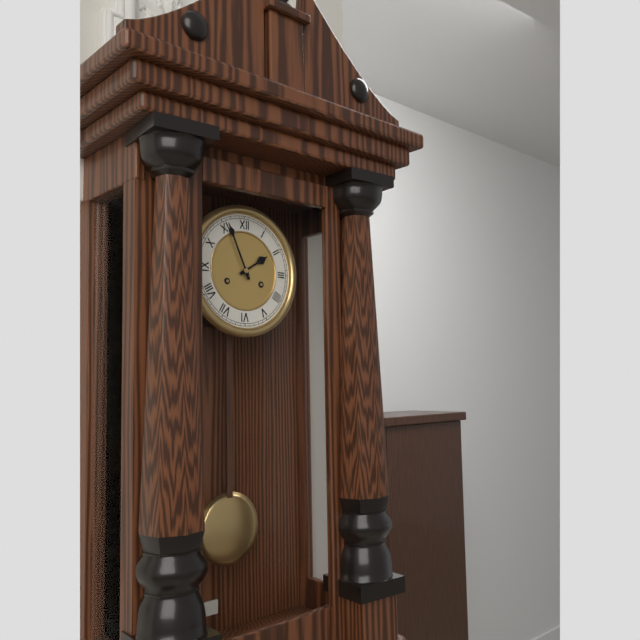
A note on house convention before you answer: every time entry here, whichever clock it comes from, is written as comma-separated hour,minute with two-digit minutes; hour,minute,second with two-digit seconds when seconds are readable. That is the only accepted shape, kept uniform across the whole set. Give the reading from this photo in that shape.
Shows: 1,56
